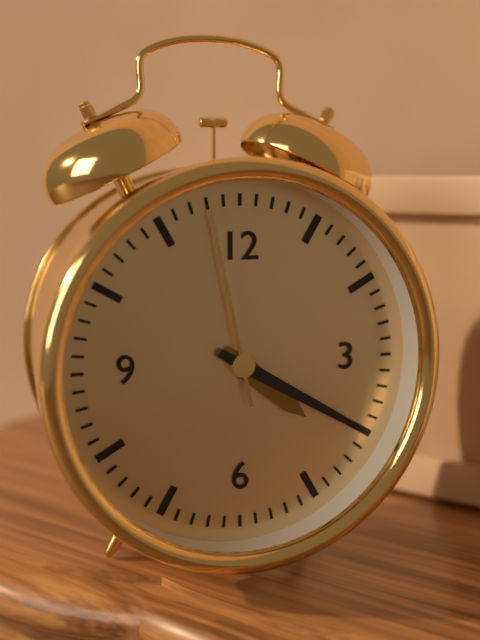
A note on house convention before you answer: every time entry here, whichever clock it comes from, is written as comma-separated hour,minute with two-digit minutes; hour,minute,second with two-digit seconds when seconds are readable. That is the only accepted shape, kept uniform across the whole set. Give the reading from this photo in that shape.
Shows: 4,20,58
